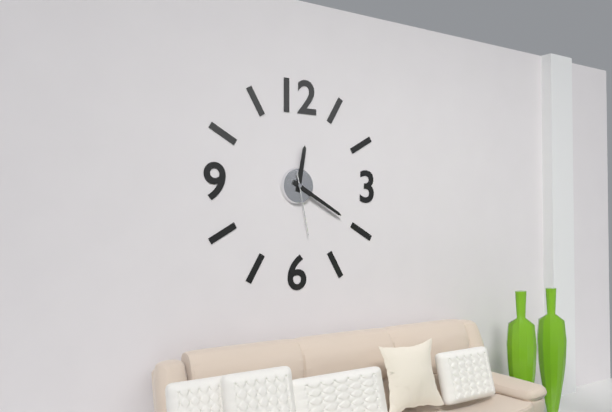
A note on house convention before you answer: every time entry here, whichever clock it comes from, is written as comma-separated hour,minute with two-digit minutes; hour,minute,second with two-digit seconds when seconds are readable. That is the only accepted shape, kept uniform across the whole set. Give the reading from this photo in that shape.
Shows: 12,20,28
